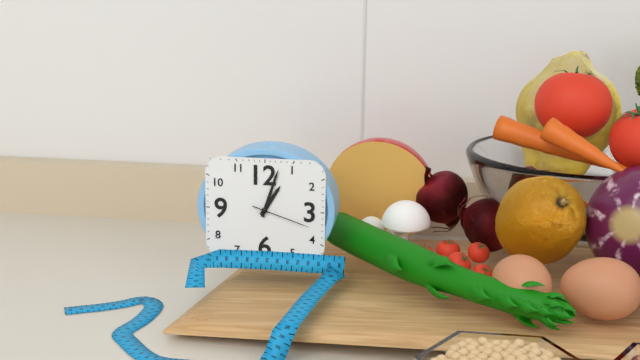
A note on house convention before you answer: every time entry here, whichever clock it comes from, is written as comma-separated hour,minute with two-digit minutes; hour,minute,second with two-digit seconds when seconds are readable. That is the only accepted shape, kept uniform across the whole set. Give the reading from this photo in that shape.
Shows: 1,03,18
